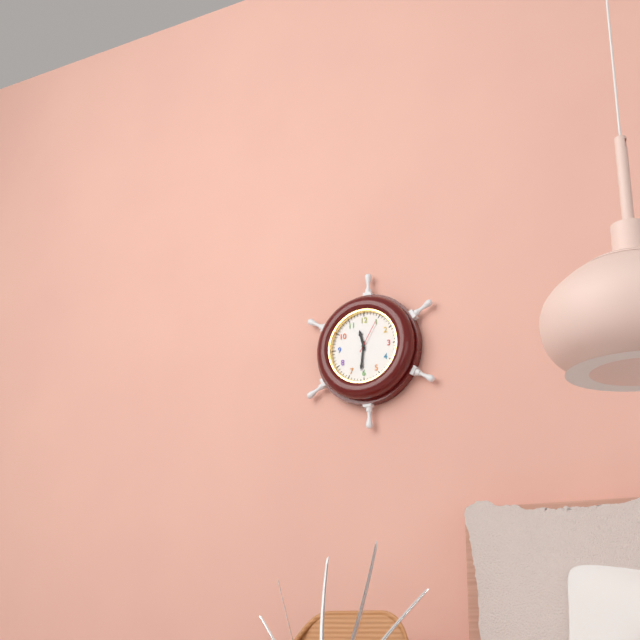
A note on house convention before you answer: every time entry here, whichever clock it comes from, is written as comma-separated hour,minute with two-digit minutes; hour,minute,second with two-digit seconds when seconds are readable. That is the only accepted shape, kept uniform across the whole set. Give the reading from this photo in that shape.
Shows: 11,31
